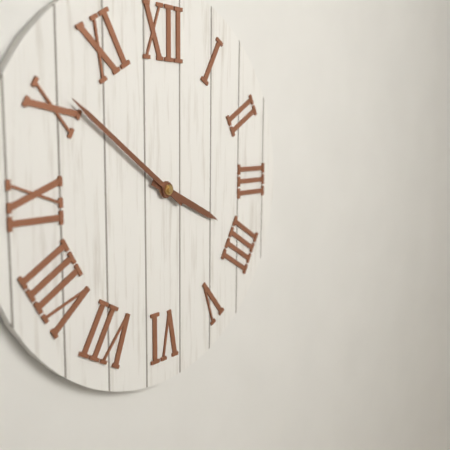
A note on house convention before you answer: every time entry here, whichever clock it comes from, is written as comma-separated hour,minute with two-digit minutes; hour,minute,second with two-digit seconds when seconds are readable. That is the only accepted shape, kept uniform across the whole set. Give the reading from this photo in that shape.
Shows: 3,51
